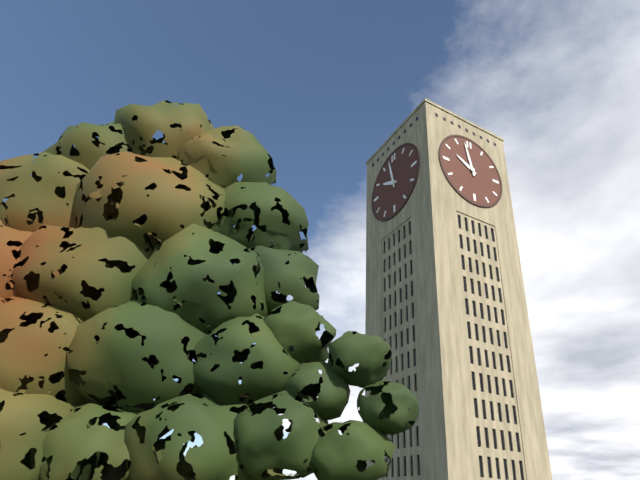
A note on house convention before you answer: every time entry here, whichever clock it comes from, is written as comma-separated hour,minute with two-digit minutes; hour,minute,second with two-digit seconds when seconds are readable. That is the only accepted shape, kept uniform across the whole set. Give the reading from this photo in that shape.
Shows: 9,58
